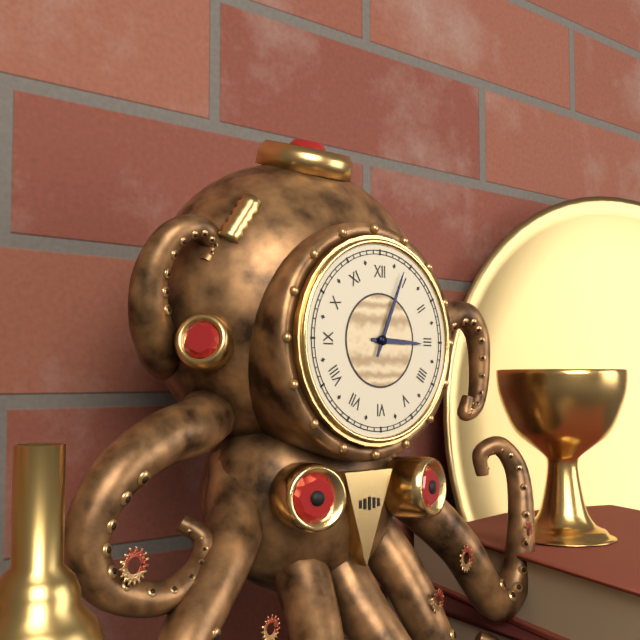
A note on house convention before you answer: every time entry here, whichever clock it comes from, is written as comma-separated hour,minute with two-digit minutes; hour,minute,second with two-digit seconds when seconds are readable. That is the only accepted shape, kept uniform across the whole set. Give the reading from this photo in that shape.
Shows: 3,04
